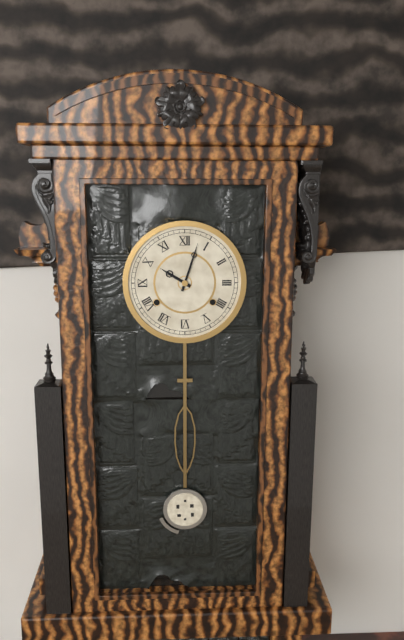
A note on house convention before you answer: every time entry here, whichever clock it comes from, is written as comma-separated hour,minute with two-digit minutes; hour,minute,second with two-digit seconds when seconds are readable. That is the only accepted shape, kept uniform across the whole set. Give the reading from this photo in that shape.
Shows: 10,03
